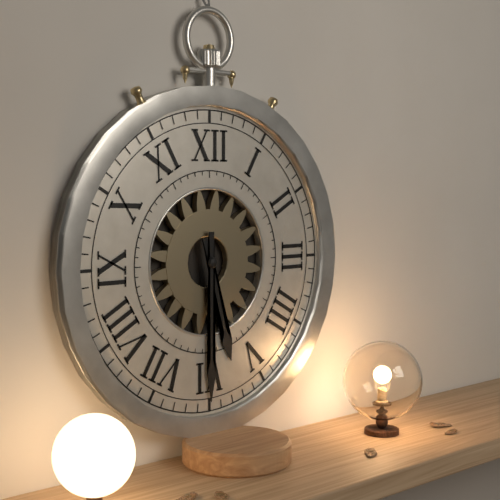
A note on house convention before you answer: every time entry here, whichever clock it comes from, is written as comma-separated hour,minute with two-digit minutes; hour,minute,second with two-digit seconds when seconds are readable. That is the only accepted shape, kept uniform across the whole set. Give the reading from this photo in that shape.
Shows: 5,30
